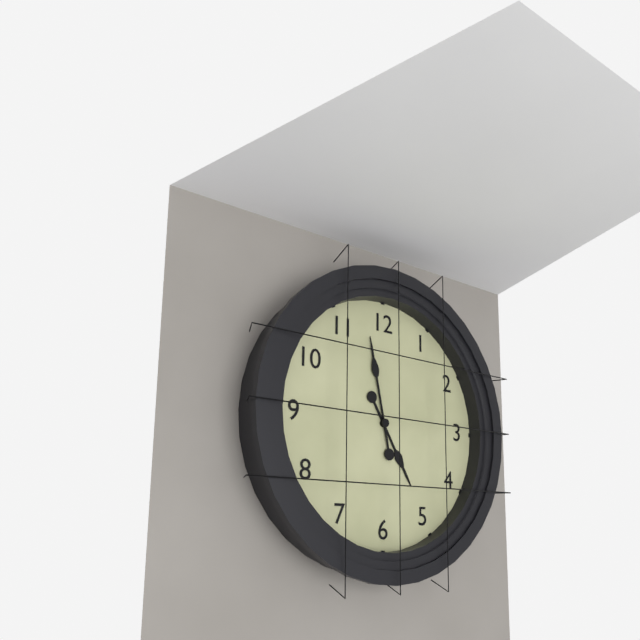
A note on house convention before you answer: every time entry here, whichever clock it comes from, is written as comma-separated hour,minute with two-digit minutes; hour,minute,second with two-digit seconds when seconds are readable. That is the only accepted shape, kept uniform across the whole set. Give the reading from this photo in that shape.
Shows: 4,58
